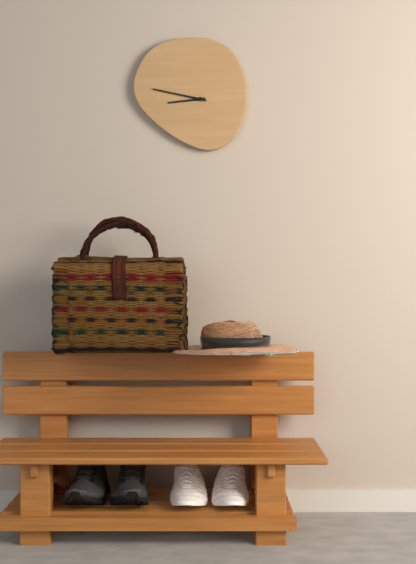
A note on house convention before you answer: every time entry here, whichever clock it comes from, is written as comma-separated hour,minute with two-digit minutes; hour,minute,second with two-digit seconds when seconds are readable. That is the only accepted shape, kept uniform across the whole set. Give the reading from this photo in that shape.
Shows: 8,47
